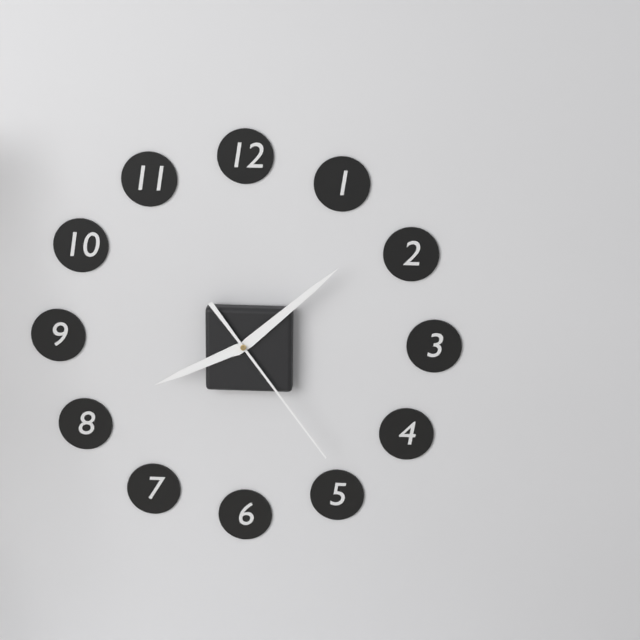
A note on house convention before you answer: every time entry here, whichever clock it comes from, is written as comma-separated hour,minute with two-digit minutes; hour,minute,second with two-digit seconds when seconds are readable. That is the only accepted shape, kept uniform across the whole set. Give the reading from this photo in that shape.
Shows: 8,08,24
